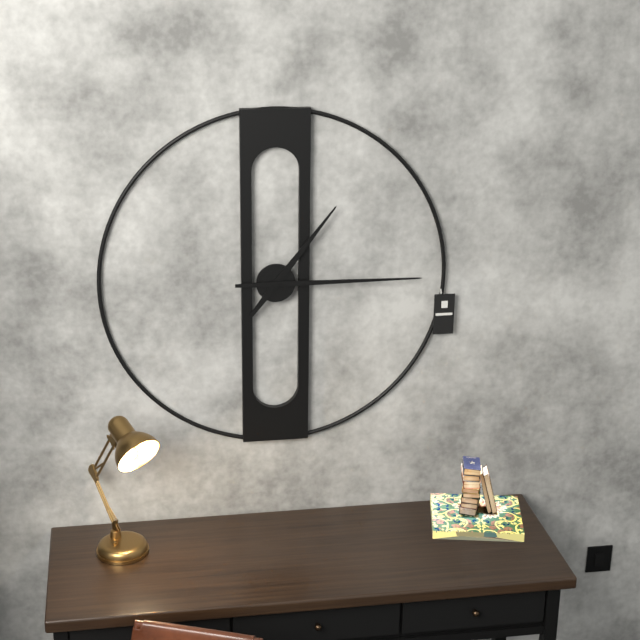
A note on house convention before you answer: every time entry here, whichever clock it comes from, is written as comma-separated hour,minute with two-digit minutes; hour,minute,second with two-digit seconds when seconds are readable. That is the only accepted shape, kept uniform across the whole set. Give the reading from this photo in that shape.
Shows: 1,15
